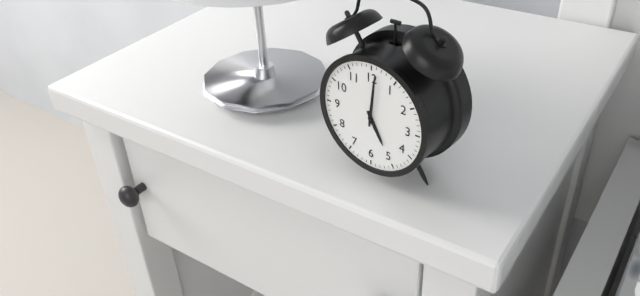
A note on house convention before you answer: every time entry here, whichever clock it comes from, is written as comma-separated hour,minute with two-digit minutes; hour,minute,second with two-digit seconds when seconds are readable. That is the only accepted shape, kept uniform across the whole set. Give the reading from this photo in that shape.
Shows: 5,01
